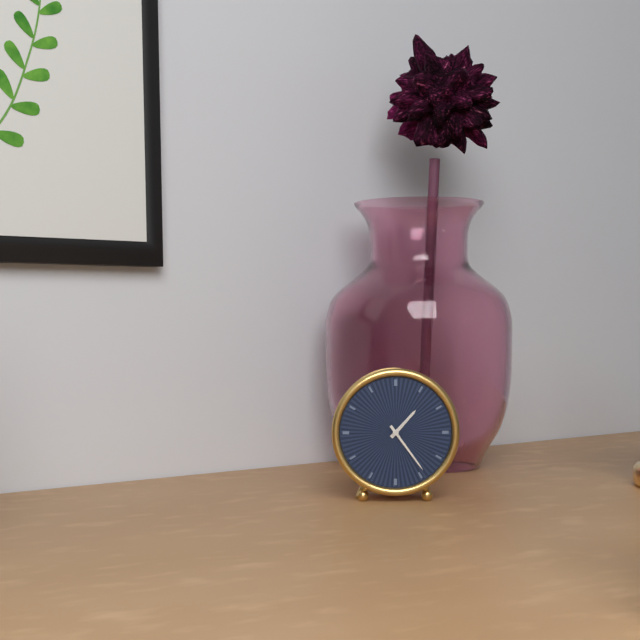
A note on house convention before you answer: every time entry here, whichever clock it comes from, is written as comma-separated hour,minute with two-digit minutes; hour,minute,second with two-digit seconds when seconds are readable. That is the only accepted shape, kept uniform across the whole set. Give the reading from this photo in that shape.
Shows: 1,24
